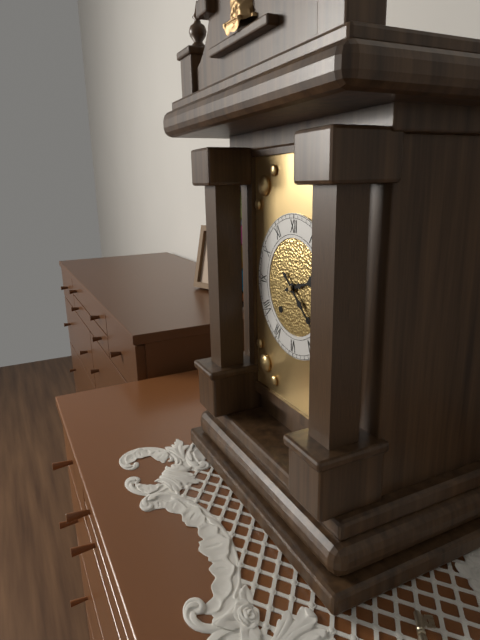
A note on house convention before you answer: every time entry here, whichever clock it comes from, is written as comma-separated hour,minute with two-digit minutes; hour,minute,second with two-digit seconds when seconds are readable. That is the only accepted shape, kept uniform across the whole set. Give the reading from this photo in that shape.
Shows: 2,22
